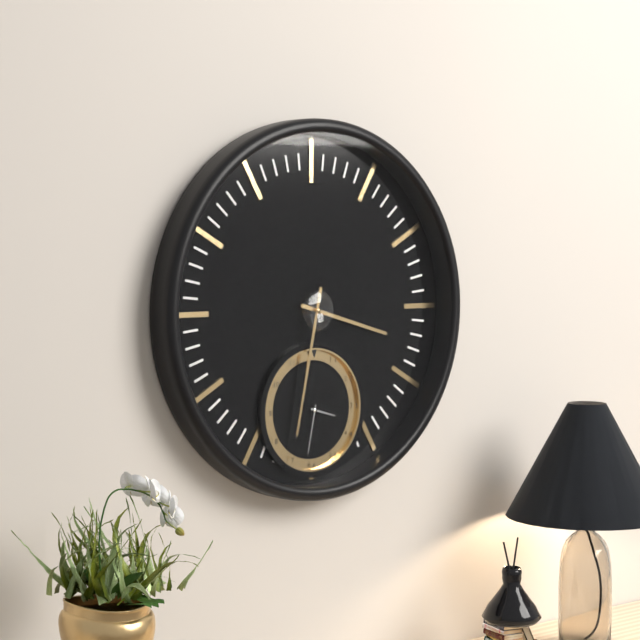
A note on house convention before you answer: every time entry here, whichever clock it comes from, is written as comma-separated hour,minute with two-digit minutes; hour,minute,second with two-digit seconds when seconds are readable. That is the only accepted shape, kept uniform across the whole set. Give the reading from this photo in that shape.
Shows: 3,32
